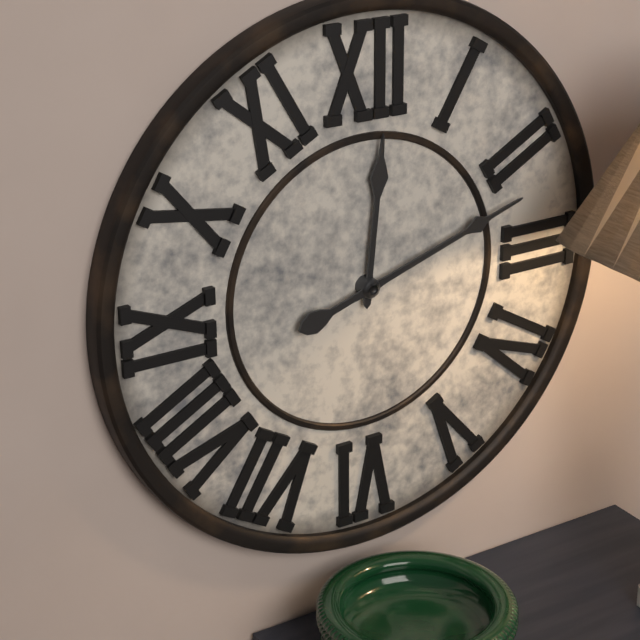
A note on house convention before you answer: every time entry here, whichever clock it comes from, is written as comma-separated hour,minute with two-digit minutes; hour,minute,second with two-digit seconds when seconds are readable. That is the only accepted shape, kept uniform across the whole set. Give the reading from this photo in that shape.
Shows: 12,12
